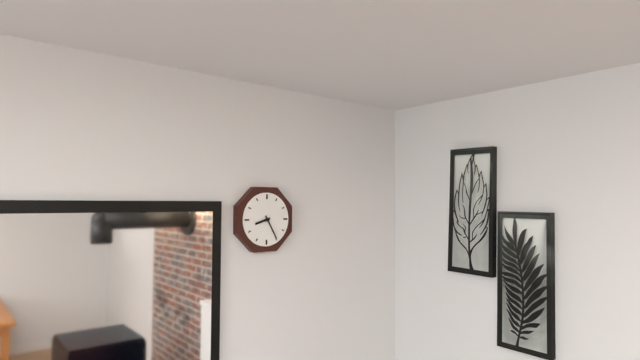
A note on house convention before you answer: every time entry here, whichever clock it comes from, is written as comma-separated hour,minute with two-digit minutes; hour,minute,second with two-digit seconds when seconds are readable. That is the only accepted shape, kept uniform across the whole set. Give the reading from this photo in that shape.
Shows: 8,25
